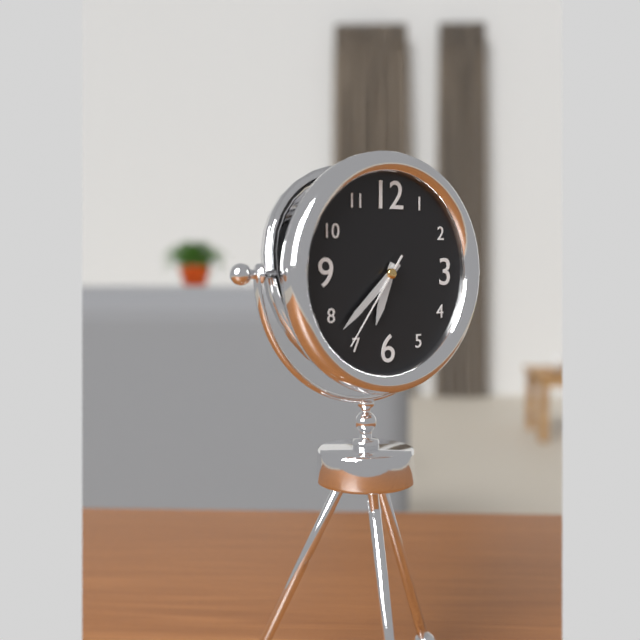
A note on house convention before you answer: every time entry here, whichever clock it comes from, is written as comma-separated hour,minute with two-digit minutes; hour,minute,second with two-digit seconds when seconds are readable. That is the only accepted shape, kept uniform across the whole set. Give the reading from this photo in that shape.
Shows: 6,38,36
